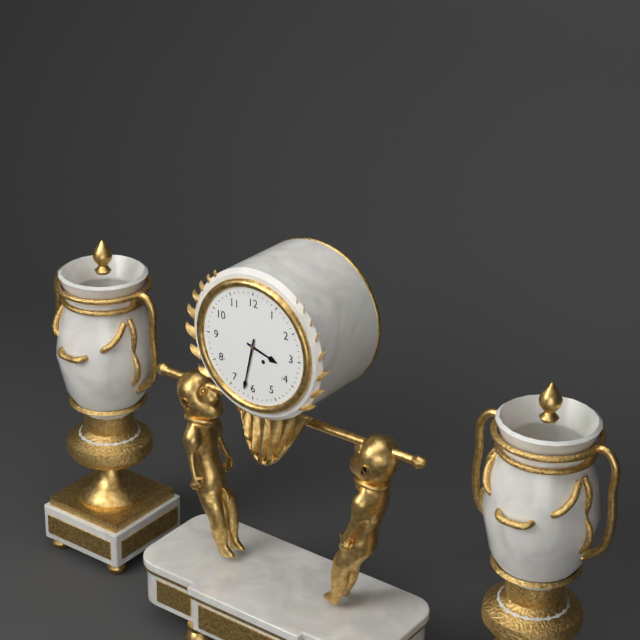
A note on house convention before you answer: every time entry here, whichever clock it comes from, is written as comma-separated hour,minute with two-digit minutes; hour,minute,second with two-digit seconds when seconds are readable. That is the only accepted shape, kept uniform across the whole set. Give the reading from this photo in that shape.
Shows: 3,32
